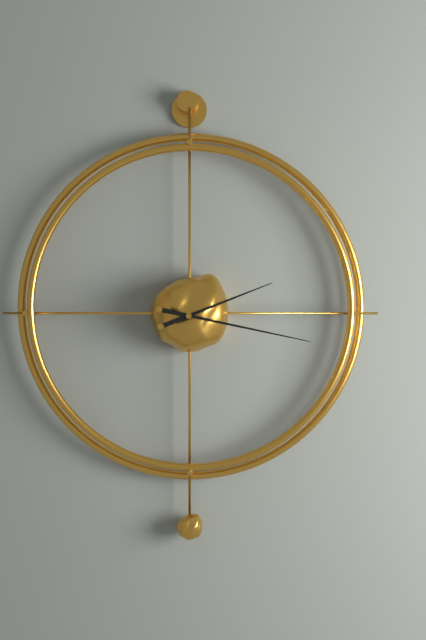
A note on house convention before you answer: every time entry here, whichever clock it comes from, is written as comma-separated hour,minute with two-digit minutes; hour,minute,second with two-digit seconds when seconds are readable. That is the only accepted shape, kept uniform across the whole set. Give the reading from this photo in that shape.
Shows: 2,17
